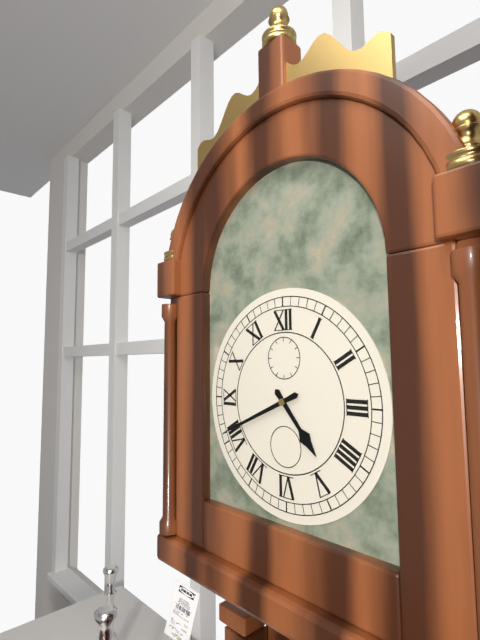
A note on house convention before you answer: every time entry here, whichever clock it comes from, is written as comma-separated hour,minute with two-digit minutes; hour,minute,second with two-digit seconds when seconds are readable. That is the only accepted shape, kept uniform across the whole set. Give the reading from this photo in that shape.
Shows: 4,41
